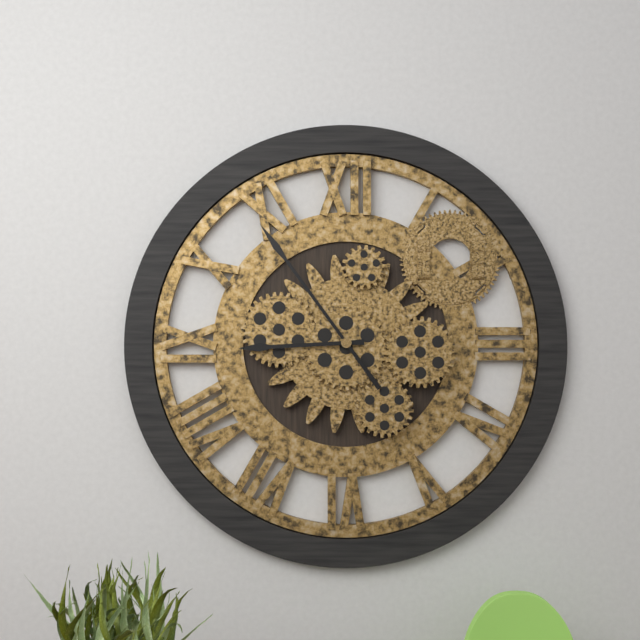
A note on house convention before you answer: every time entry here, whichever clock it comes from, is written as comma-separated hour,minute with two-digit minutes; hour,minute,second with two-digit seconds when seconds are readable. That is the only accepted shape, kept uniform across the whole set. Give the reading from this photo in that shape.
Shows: 8,54
